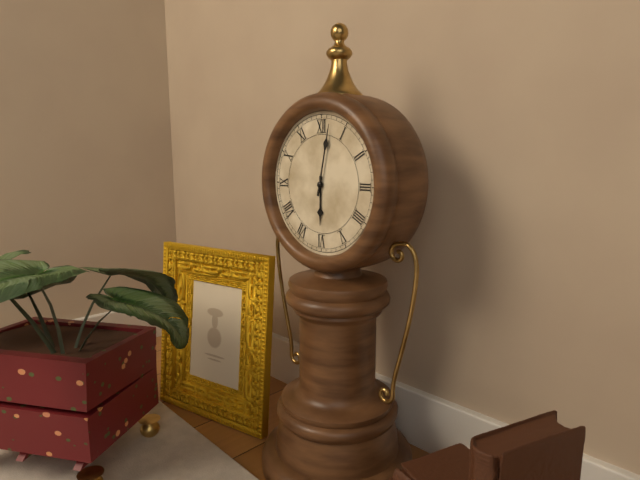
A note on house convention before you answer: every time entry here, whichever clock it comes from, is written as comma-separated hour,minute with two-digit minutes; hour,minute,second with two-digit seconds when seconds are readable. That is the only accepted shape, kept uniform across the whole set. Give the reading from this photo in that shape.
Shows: 6,02
